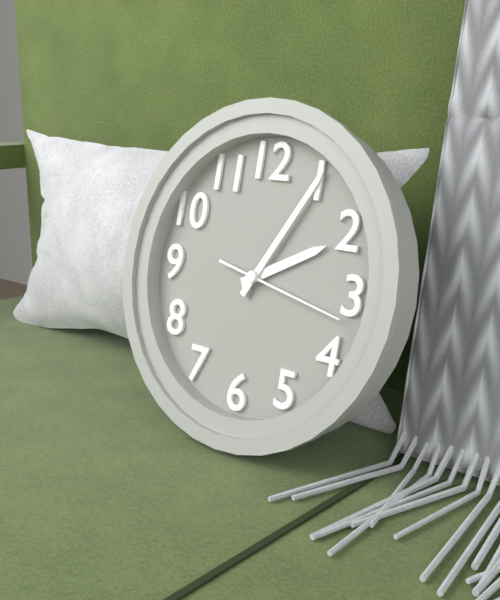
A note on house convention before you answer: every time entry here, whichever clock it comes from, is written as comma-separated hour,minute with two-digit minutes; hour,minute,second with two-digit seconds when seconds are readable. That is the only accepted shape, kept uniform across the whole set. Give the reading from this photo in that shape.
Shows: 2,05,17
